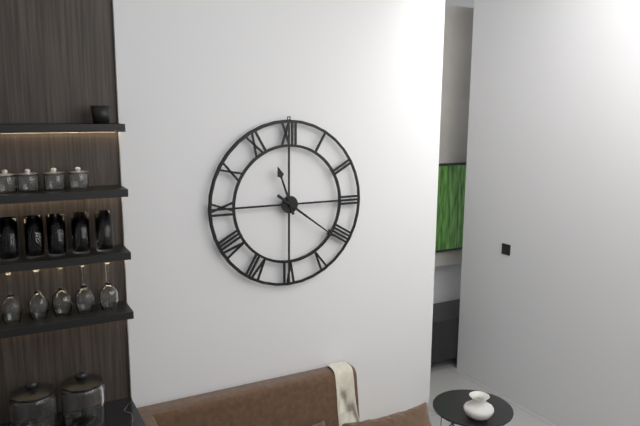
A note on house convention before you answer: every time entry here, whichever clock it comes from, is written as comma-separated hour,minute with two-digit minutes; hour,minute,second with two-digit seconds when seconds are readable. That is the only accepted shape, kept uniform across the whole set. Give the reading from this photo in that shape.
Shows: 11,21
